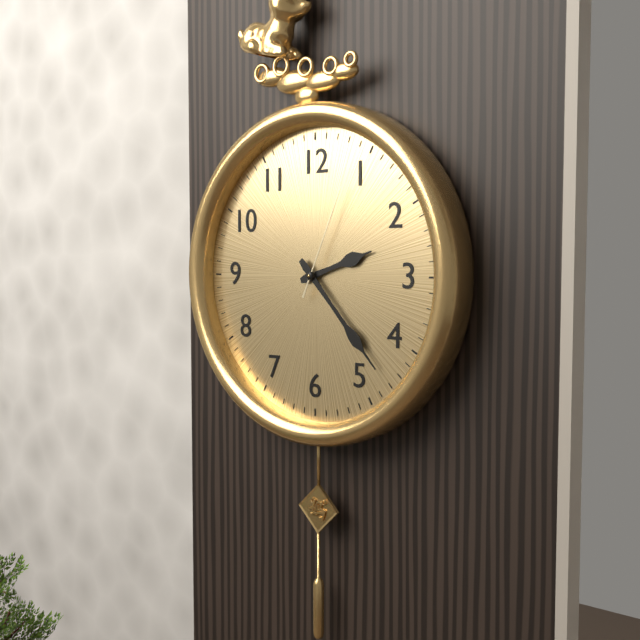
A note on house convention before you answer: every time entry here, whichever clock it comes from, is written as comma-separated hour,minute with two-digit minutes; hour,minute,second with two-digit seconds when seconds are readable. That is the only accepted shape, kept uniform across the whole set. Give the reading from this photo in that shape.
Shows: 2,23,04
